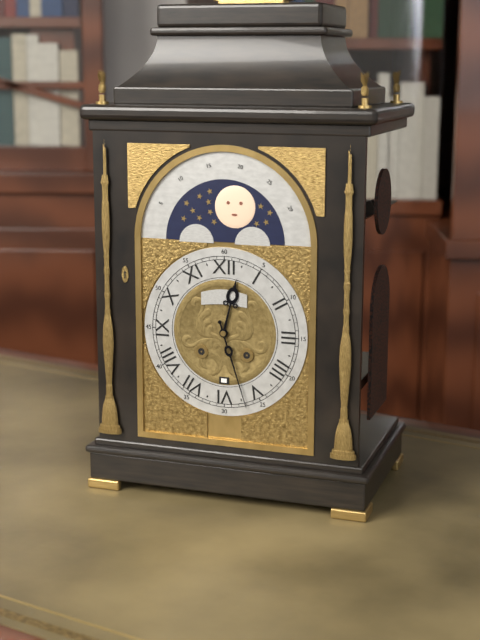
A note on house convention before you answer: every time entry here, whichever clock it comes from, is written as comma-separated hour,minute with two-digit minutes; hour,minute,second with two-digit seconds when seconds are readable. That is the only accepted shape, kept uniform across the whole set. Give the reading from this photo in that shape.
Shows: 12,27
